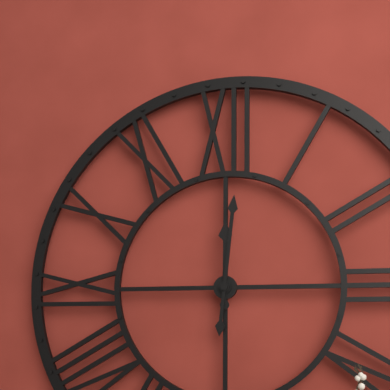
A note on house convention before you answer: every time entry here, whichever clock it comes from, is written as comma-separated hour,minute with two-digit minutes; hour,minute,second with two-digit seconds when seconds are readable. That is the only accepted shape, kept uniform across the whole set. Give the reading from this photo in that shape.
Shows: 12,01
